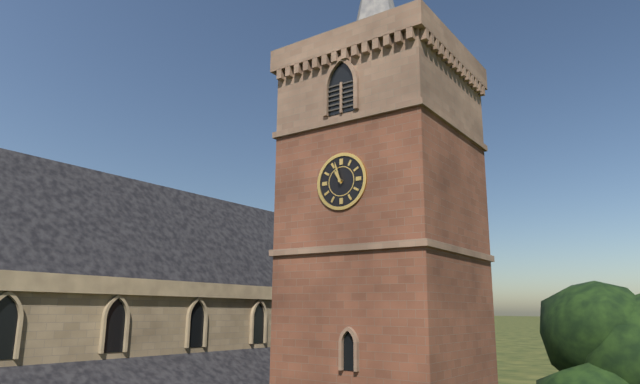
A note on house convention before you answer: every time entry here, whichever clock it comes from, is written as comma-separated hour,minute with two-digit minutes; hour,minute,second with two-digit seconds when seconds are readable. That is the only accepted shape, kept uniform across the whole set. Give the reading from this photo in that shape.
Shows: 10,57
